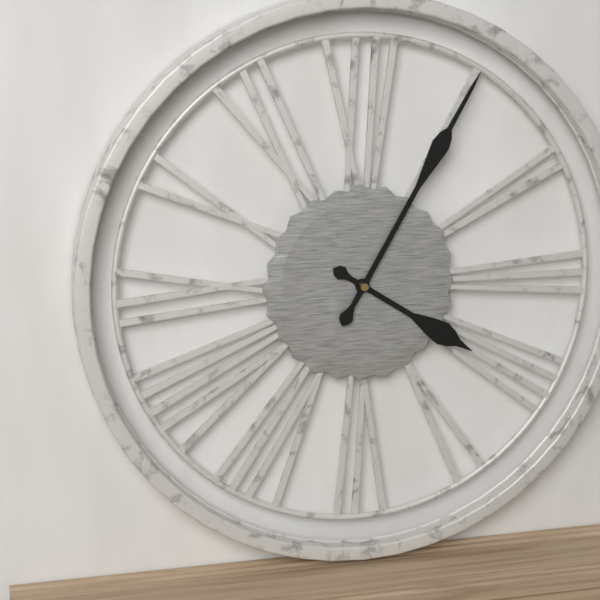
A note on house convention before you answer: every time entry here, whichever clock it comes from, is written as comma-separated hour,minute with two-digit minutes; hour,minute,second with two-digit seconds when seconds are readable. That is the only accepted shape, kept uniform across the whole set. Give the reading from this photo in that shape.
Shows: 4,05
